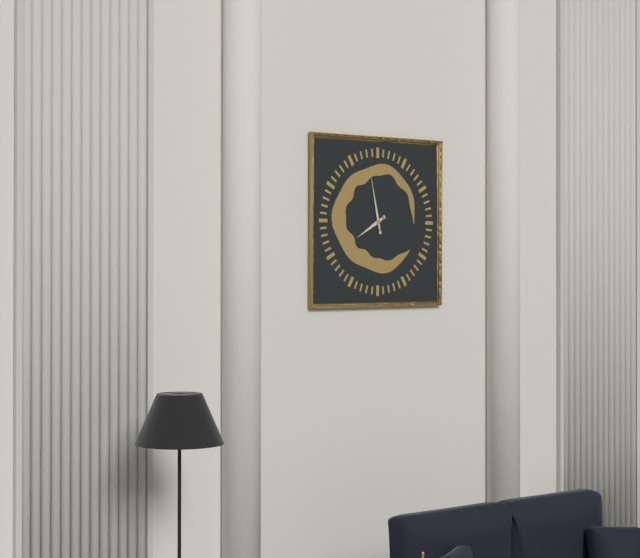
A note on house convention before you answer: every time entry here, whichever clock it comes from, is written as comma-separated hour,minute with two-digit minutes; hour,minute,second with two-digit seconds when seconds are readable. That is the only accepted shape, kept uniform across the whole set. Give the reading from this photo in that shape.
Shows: 7,58
